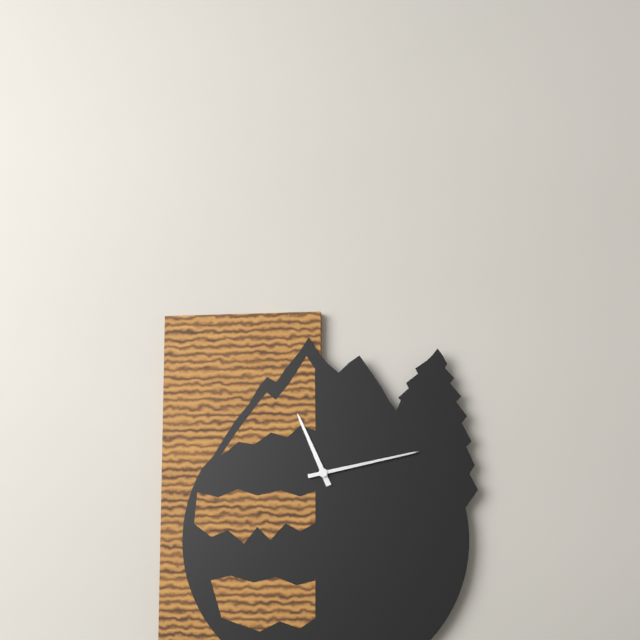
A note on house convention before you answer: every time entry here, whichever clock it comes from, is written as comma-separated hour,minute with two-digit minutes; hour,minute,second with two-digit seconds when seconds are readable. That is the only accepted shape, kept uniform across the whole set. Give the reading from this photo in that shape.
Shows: 11,13
